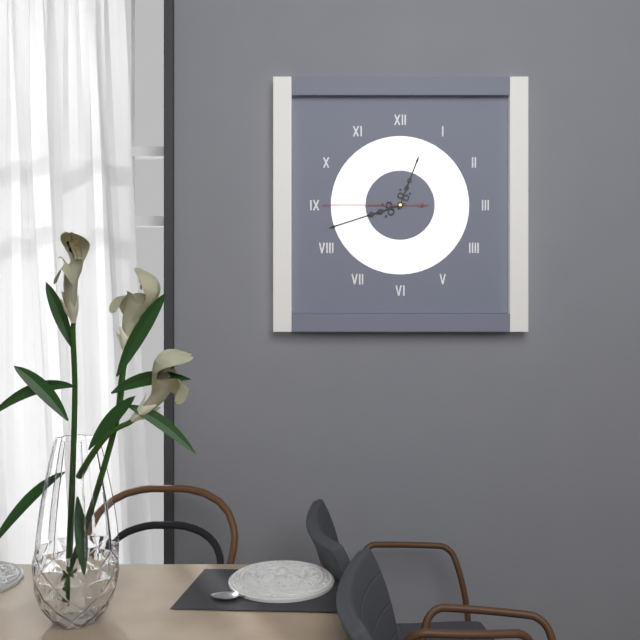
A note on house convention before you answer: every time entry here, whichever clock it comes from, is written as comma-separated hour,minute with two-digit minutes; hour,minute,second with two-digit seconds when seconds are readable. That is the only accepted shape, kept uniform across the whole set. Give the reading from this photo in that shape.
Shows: 12,42,45
